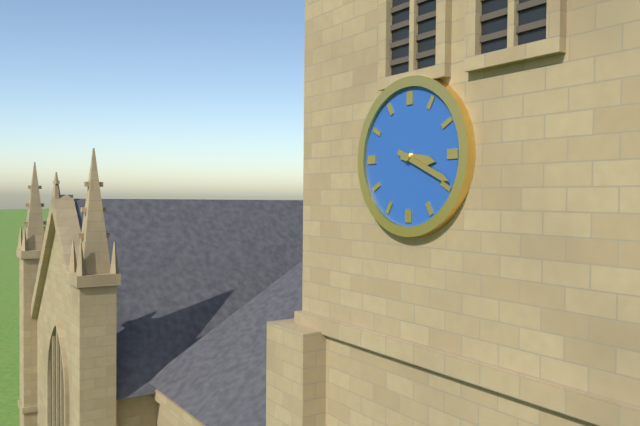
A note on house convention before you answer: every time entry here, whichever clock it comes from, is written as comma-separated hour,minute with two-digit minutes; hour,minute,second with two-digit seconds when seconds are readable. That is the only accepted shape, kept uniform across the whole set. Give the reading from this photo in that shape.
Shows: 3,19
